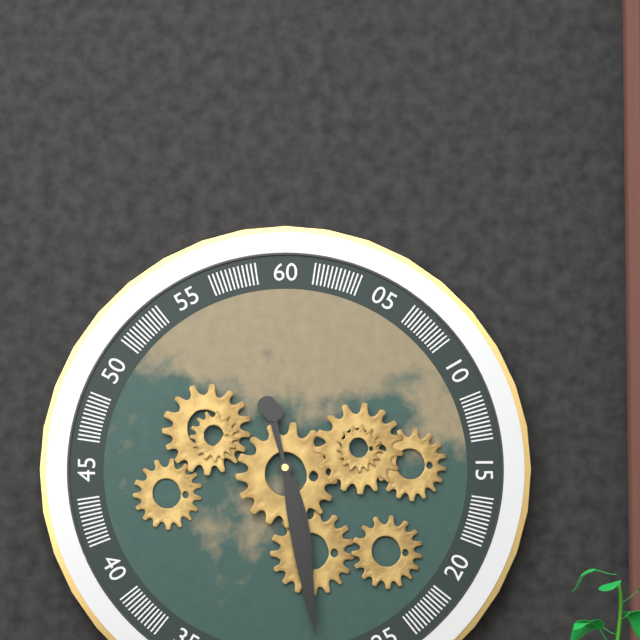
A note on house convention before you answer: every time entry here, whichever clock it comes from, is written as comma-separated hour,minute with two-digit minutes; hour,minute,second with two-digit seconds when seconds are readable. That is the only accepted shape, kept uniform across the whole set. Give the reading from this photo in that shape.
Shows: 5,28
